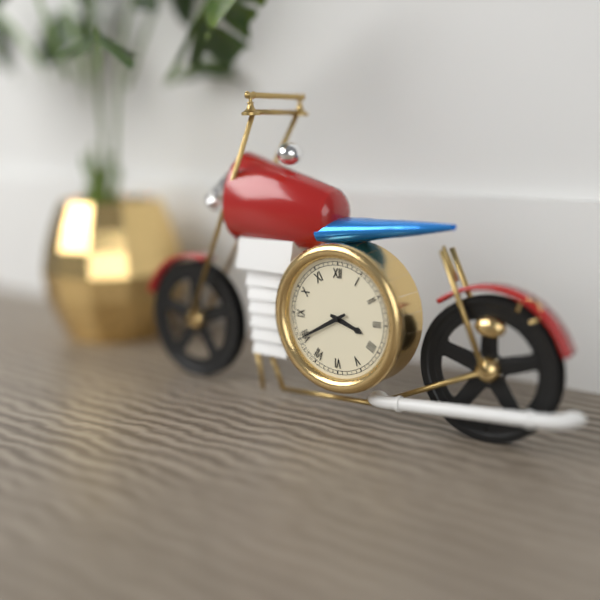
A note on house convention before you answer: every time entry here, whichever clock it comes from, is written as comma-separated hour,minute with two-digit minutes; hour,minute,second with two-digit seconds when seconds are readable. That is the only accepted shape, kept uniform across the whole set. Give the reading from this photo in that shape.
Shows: 3,40
